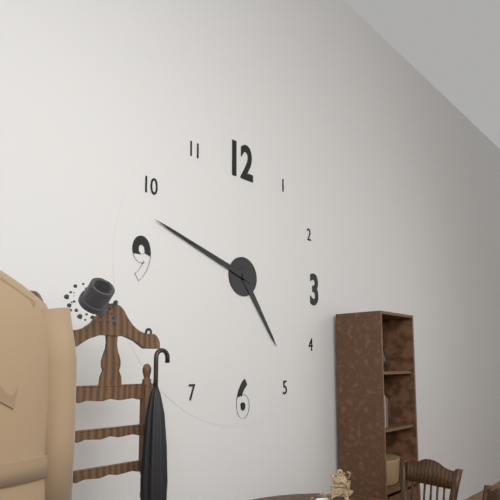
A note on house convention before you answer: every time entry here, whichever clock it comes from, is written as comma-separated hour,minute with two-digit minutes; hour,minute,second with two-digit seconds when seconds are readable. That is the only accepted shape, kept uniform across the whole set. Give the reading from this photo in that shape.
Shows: 4,48
